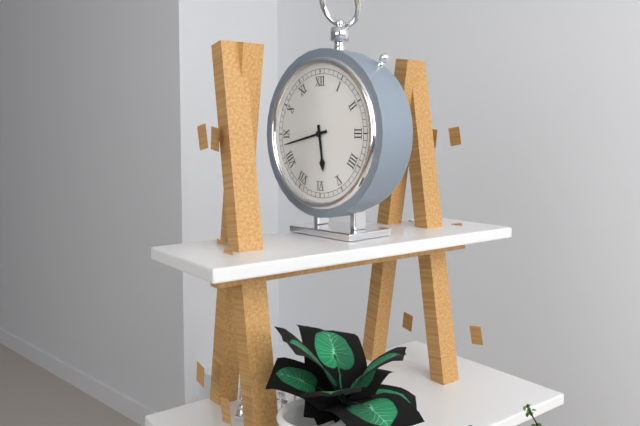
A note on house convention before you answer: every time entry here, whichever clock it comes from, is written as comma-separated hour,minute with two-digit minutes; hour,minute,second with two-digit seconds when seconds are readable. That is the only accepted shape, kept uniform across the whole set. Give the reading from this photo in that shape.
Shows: 5,43
